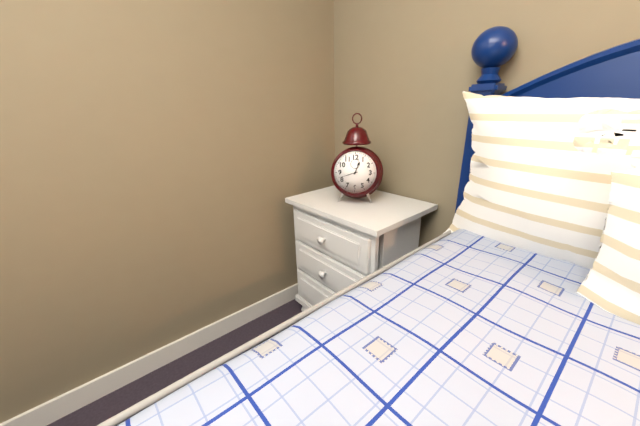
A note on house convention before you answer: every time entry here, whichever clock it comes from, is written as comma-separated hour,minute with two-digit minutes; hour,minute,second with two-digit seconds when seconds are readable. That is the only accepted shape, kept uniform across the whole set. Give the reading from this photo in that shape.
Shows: 12,42
